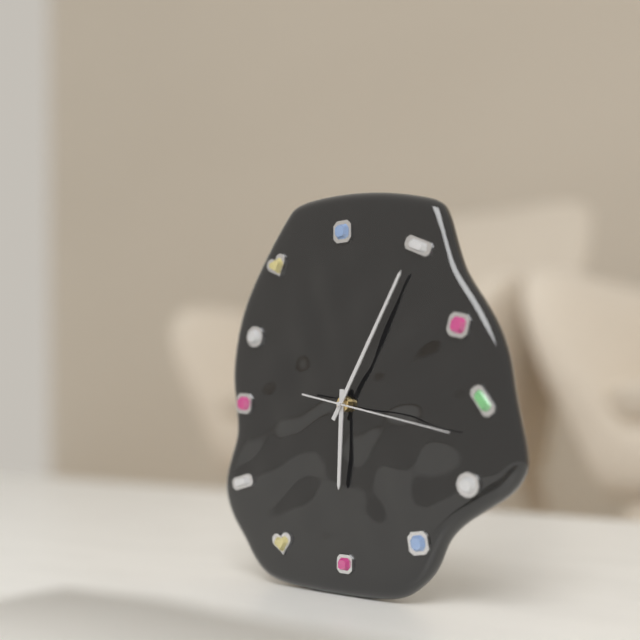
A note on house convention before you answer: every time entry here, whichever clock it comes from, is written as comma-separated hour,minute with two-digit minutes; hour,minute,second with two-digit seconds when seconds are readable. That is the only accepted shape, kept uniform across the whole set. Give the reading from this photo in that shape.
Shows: 6,05,17
